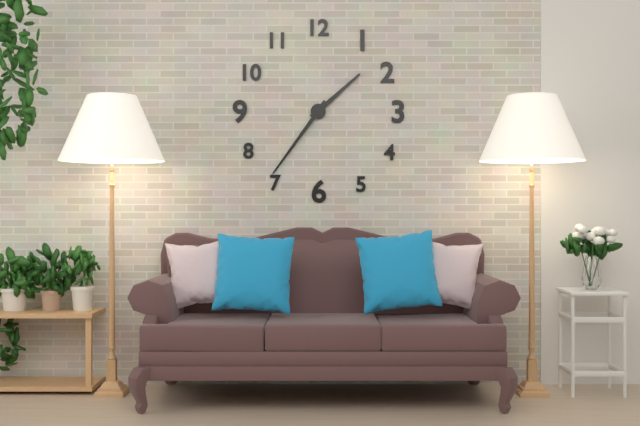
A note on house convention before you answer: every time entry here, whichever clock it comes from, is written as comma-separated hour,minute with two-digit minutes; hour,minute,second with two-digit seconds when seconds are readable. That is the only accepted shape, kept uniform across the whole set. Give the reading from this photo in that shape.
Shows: 1,36
